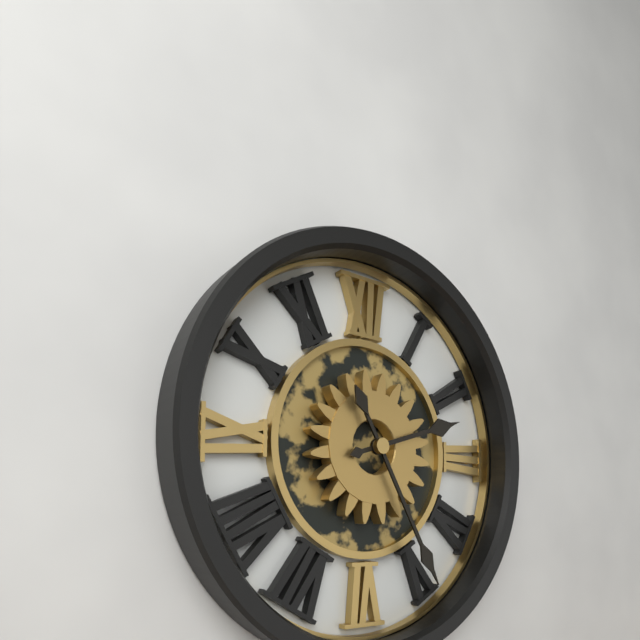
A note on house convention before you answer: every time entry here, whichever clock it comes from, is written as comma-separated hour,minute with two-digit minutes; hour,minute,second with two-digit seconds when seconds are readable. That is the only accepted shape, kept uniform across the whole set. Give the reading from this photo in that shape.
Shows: 2,25
